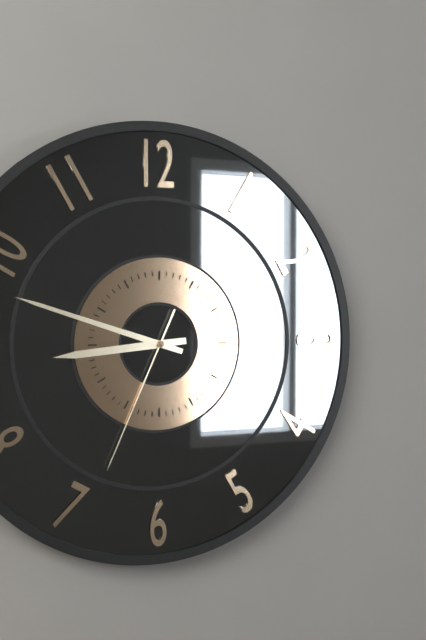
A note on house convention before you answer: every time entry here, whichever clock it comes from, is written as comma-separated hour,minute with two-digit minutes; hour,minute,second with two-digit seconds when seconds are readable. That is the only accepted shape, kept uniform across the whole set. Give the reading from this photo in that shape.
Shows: 8,48,34
